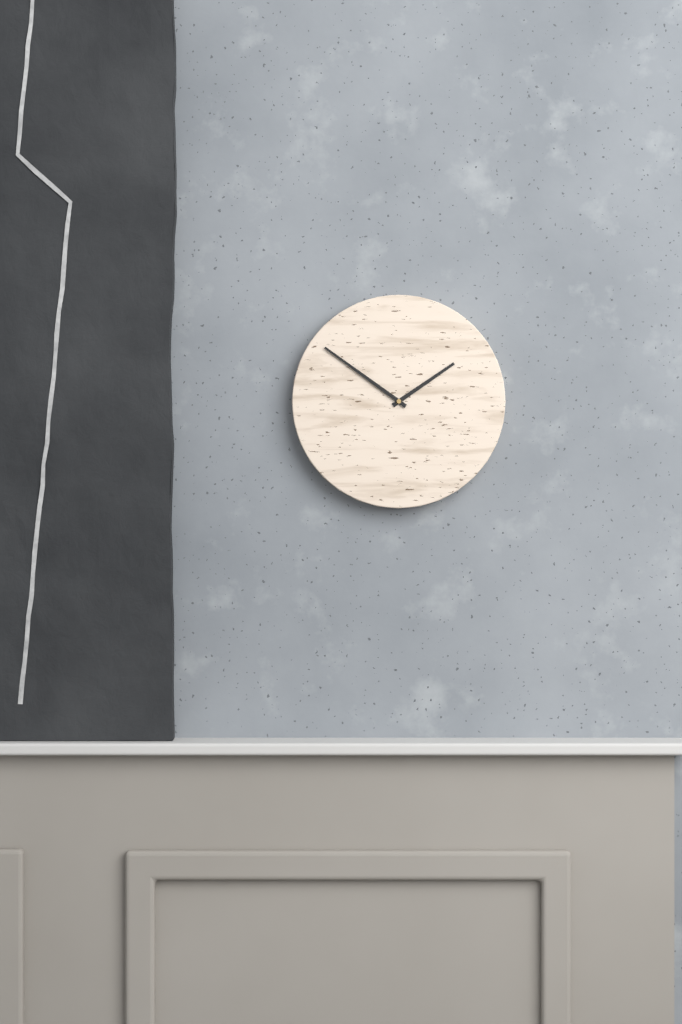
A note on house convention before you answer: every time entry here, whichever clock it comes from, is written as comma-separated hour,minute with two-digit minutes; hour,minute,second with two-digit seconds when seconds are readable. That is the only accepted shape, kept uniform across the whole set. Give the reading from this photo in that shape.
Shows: 1,51
